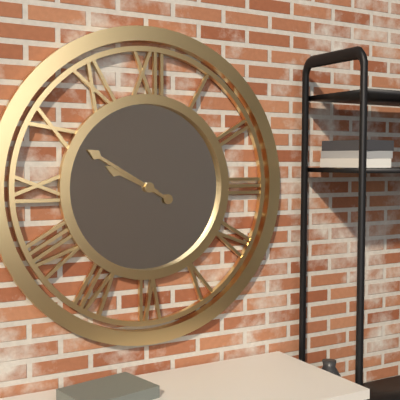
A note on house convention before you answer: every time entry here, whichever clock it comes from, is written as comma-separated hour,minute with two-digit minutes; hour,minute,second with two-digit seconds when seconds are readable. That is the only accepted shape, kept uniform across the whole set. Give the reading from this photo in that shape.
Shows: 9,50
